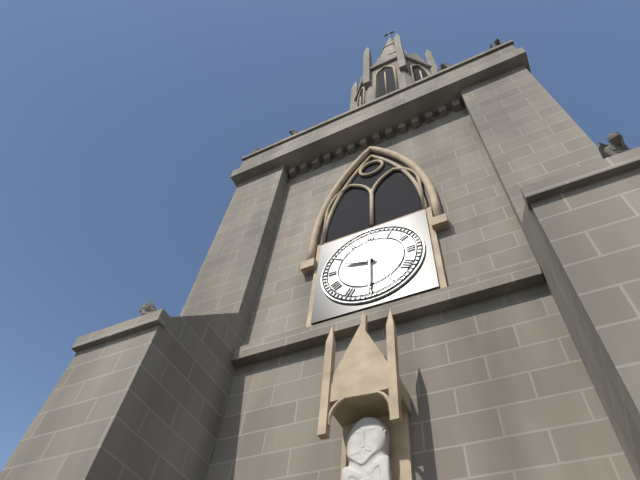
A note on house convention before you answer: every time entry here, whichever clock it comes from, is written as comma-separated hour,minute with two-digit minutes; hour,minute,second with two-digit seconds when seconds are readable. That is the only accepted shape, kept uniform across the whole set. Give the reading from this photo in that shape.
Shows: 9,30
